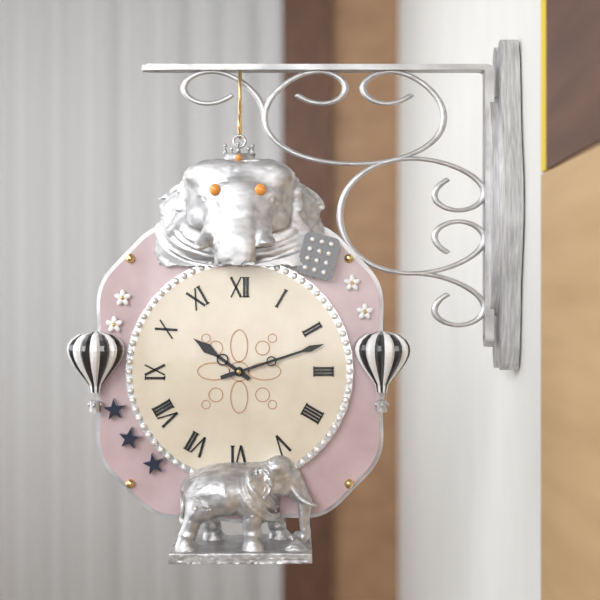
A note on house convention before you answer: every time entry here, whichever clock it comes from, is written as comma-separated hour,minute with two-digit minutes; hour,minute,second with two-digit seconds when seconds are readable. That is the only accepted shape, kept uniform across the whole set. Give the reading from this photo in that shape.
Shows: 10,12
